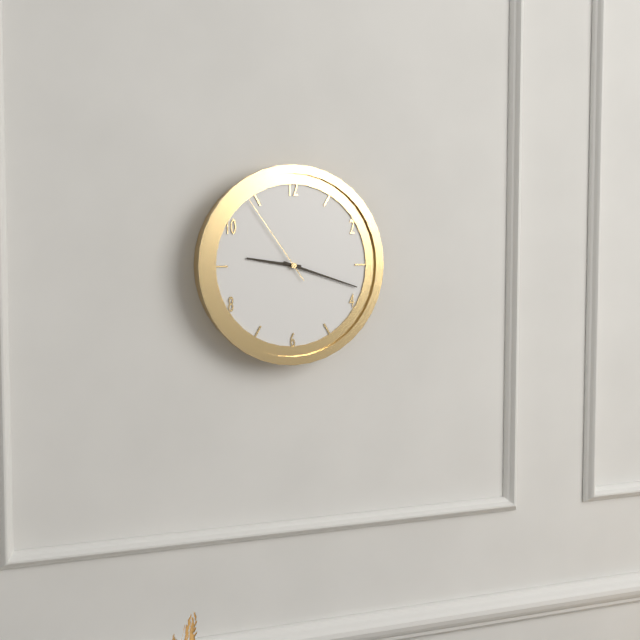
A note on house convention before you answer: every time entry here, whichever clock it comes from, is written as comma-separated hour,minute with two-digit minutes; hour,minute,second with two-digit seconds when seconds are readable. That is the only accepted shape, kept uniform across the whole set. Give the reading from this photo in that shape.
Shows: 9,18,54
